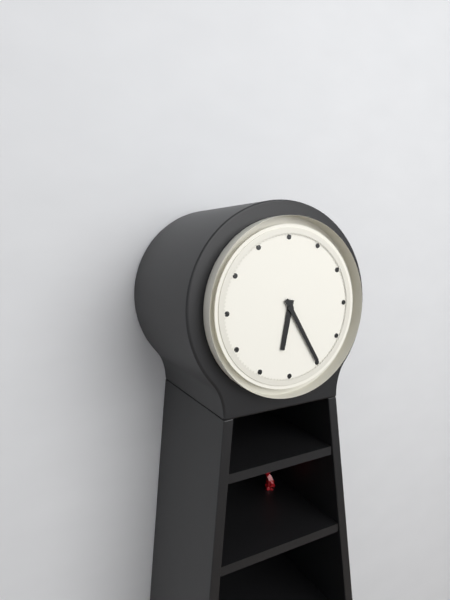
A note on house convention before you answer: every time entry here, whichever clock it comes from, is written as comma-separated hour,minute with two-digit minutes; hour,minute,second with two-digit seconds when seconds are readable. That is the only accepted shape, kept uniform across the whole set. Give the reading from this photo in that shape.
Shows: 6,25
